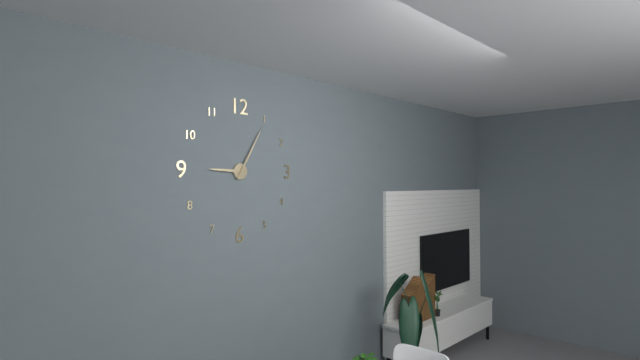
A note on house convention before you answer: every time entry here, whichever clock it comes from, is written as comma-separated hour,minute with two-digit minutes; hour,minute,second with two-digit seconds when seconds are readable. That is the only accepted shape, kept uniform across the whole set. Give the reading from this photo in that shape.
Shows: 9,05
